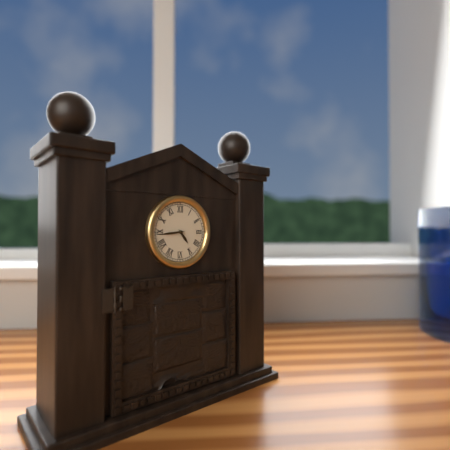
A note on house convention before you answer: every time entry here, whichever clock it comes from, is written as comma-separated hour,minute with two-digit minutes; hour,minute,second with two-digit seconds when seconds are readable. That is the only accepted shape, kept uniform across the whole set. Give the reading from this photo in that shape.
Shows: 4,44
